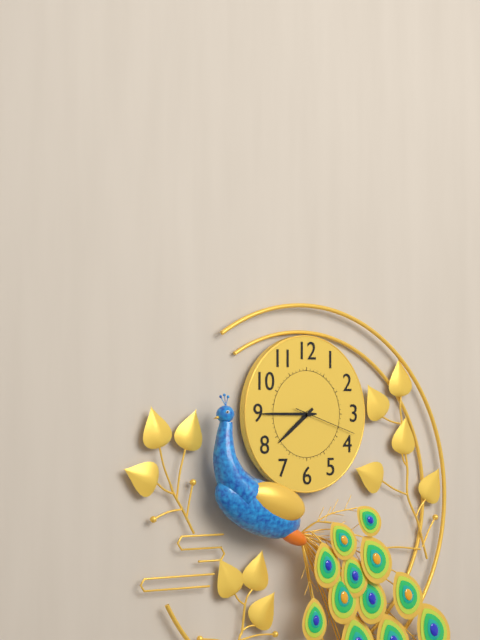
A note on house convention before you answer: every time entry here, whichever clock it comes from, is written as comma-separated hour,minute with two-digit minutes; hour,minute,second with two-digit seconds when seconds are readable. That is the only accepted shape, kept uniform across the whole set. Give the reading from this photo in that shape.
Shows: 7,45,18
